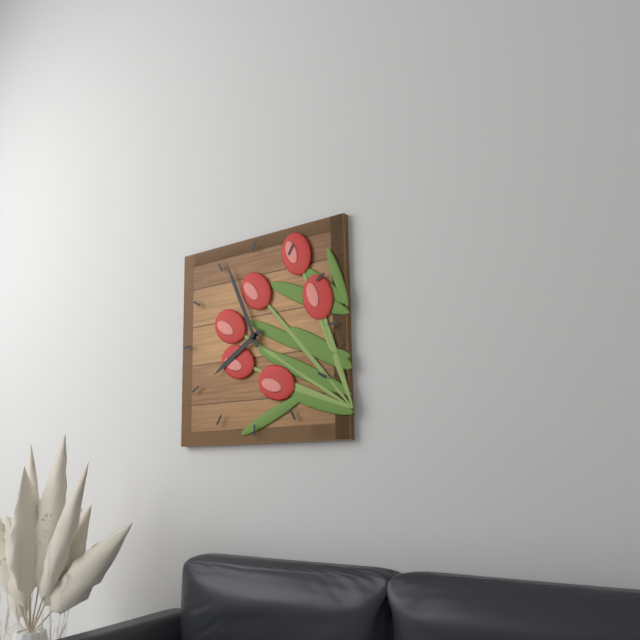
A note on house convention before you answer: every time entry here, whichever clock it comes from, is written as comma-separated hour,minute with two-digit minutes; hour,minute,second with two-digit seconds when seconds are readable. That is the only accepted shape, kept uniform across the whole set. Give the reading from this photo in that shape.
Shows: 7,56
